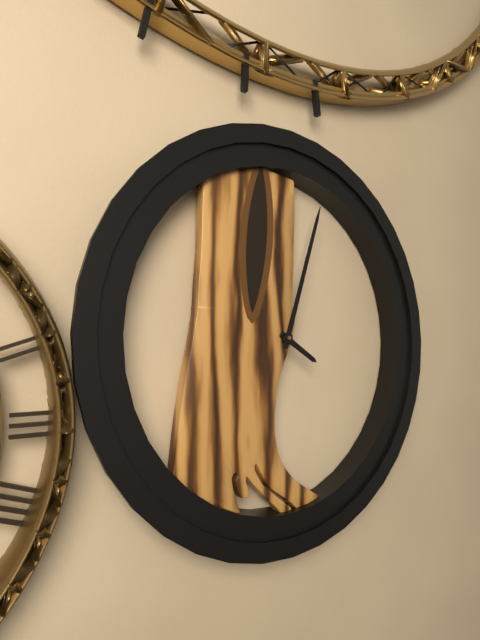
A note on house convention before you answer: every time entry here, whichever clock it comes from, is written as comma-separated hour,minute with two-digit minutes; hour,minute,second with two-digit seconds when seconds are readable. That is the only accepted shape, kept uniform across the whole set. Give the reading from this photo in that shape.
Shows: 4,03
